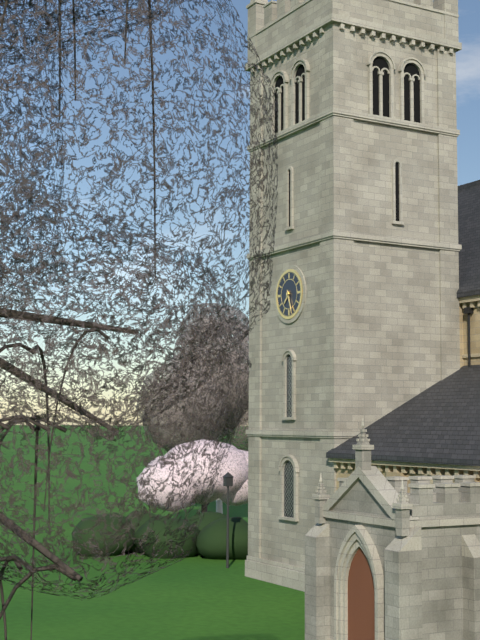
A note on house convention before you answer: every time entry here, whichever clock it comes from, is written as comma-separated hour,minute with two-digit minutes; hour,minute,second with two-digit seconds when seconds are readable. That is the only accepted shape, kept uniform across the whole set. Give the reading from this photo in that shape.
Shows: 7,27
